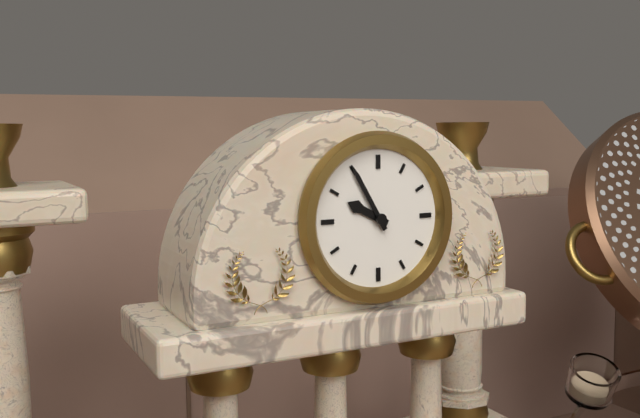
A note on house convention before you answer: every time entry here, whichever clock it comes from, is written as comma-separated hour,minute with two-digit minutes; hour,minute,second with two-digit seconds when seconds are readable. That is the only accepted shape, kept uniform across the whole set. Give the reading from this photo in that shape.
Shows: 9,55
